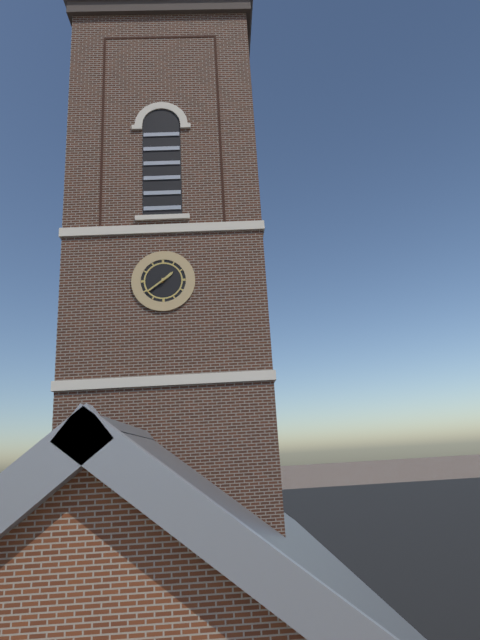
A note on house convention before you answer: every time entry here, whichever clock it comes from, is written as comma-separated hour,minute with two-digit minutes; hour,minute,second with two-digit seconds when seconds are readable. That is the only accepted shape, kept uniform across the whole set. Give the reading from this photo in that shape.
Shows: 1,39
